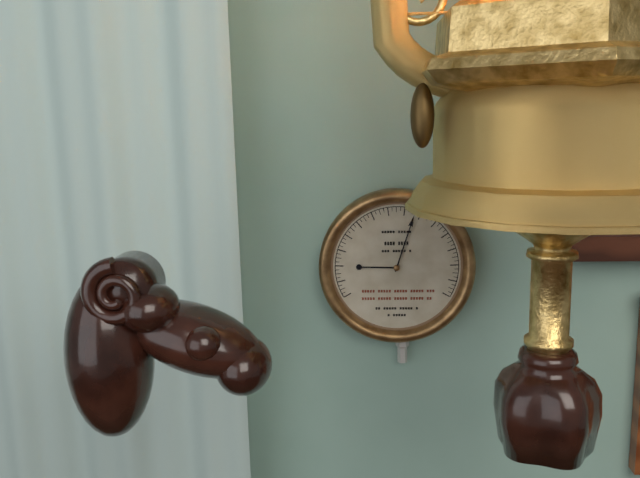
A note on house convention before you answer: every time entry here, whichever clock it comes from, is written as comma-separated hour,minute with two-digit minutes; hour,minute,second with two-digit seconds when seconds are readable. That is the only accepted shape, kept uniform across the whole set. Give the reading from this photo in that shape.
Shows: 9,03
